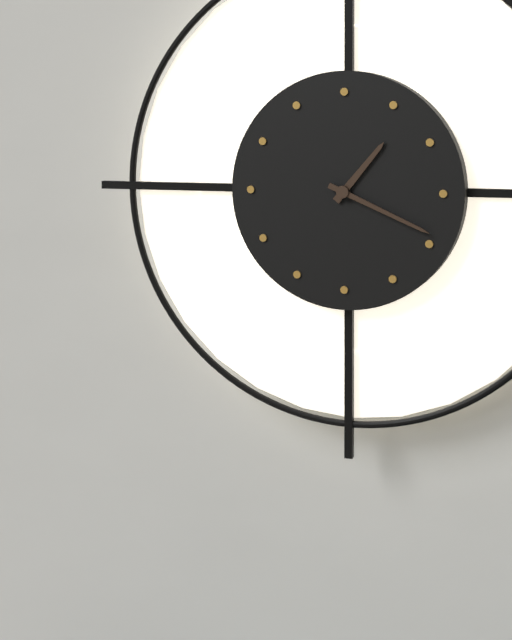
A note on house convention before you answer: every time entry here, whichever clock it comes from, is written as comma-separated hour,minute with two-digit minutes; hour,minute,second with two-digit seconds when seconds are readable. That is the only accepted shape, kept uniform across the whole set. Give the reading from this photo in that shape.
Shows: 1,19
